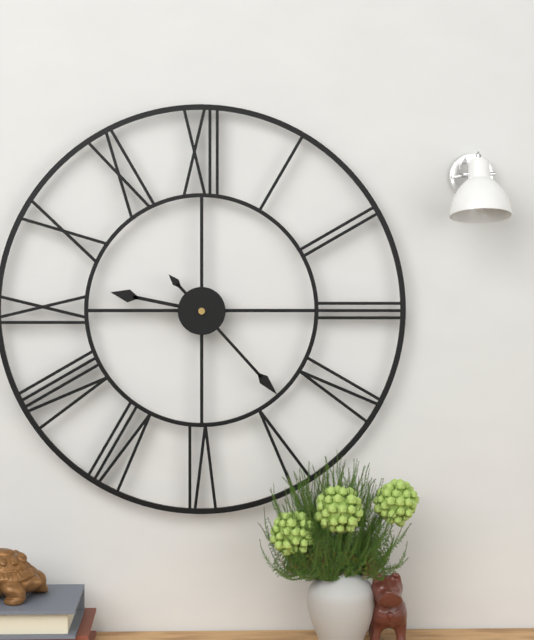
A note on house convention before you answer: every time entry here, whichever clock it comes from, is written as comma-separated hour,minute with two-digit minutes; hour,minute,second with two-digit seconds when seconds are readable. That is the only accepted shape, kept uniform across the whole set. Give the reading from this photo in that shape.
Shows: 9,23
